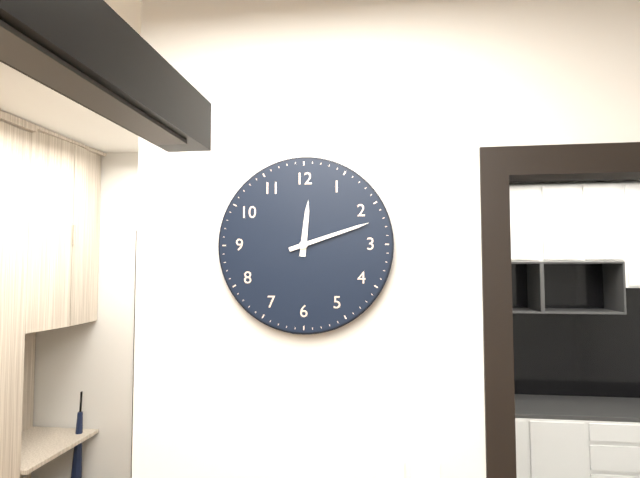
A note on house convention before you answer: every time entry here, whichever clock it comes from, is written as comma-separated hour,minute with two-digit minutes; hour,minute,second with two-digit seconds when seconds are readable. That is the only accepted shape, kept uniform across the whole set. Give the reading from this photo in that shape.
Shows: 12,12
